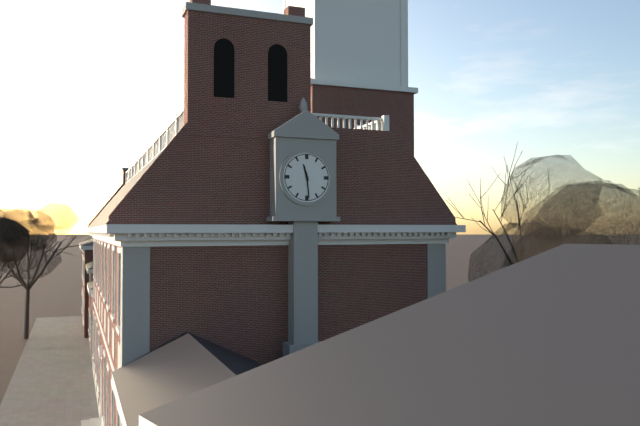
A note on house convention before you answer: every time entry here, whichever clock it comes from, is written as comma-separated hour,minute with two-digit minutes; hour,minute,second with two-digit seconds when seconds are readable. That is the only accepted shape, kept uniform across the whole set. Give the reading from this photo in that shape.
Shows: 11,29
